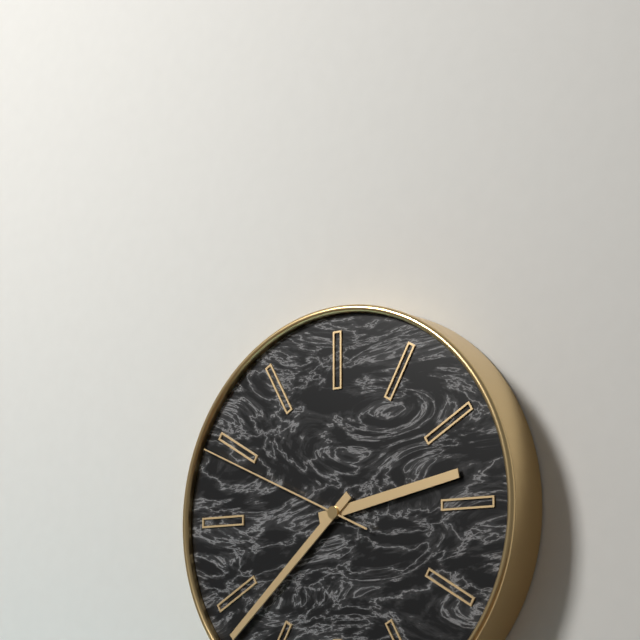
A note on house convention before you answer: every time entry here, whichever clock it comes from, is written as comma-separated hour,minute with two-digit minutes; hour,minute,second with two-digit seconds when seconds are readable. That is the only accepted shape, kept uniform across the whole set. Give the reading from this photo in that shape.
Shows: 2,38,49
